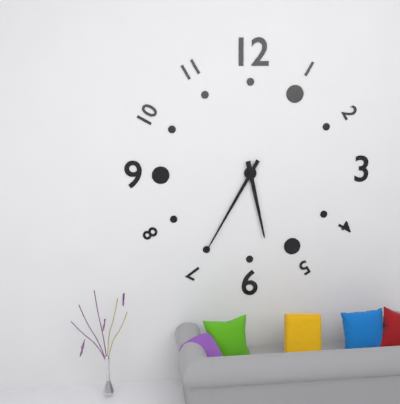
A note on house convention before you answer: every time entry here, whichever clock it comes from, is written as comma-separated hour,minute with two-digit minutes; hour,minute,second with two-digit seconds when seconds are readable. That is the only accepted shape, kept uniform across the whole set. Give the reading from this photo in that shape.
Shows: 5,35
